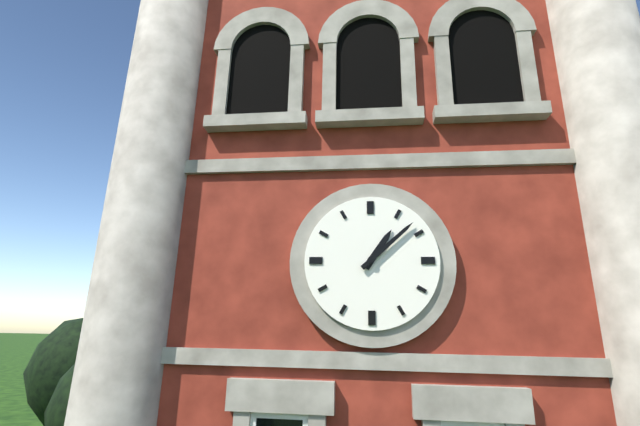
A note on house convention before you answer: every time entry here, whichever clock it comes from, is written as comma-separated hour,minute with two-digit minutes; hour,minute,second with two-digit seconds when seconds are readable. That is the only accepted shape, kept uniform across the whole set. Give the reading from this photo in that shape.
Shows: 1,08
